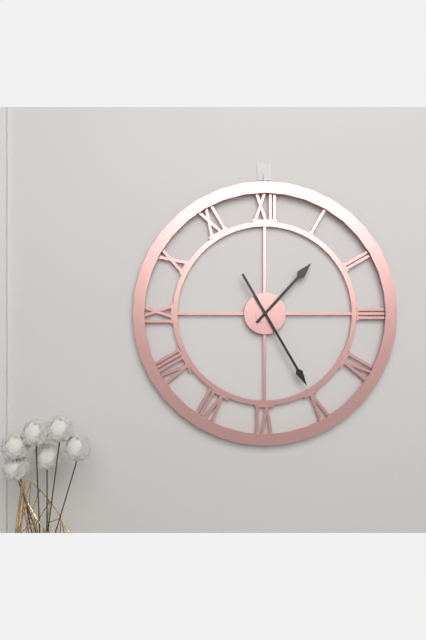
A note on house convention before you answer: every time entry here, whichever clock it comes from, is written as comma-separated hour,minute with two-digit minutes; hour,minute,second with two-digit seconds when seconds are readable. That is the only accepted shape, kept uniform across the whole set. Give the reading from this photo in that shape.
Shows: 1,25
